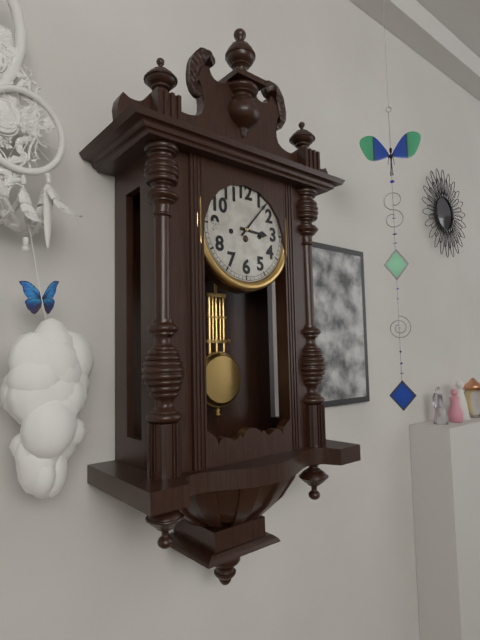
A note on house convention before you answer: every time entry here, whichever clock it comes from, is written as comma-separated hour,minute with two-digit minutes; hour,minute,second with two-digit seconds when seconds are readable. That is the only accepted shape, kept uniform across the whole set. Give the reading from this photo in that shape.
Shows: 3,07
